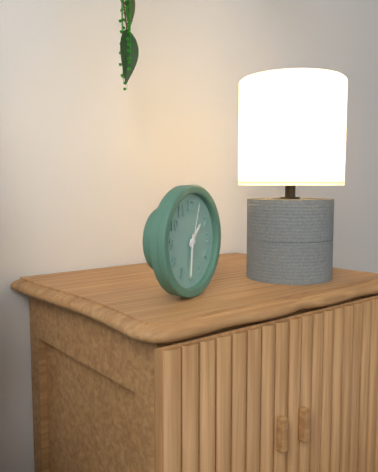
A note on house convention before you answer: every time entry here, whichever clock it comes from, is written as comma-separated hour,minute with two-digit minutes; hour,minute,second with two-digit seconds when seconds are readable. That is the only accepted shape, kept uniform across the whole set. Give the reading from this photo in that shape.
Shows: 1,31
